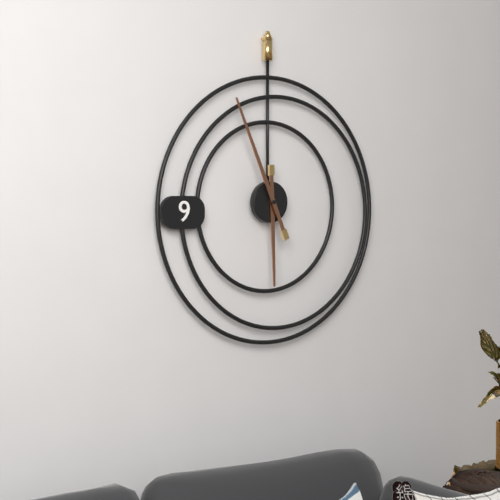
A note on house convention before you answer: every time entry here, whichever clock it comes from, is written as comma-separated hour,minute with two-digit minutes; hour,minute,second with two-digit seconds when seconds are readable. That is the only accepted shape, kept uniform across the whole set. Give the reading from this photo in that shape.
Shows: 5,56
